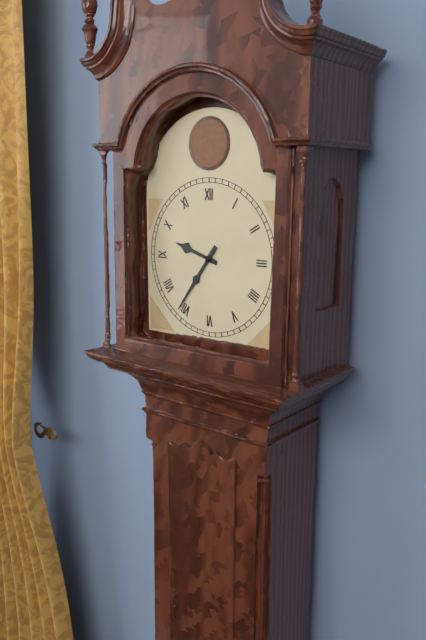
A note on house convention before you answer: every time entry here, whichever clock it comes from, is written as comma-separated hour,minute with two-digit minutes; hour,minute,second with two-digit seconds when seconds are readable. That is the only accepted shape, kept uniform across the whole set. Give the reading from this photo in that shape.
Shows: 9,36
